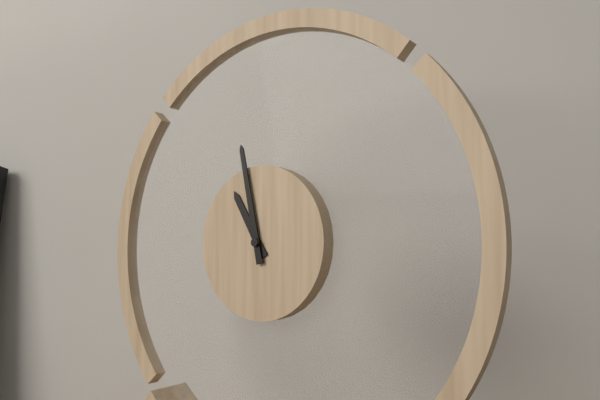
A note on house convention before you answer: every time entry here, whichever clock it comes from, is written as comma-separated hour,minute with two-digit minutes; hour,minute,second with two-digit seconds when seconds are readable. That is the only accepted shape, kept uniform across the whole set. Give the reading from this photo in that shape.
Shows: 10,58
